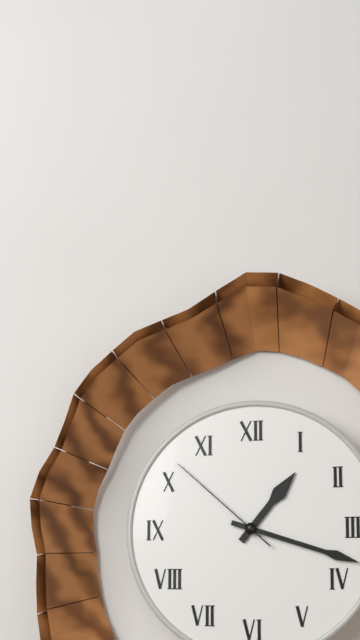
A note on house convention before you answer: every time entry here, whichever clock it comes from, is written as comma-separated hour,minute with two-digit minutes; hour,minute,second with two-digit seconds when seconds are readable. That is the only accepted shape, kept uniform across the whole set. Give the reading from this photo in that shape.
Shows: 1,18,52
